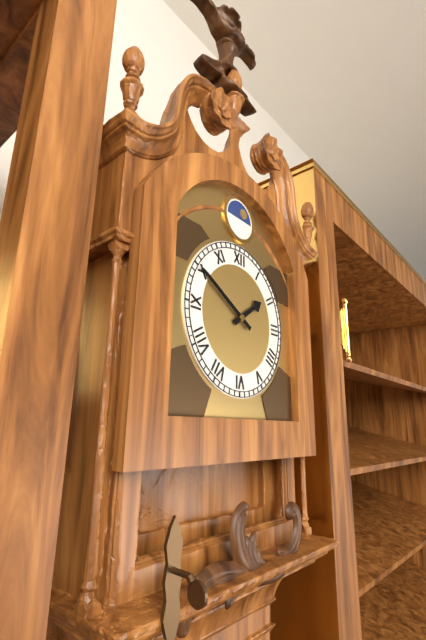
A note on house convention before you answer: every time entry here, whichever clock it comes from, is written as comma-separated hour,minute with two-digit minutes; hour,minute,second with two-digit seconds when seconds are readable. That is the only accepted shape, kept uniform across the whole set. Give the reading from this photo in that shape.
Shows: 1,50
